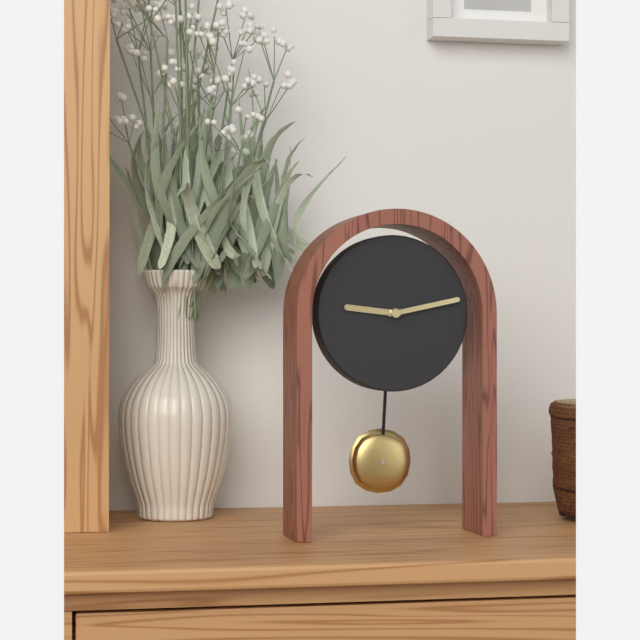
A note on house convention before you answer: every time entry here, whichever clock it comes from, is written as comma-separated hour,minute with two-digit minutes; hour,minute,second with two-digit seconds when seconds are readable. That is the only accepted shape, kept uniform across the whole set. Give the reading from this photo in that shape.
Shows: 9,13
